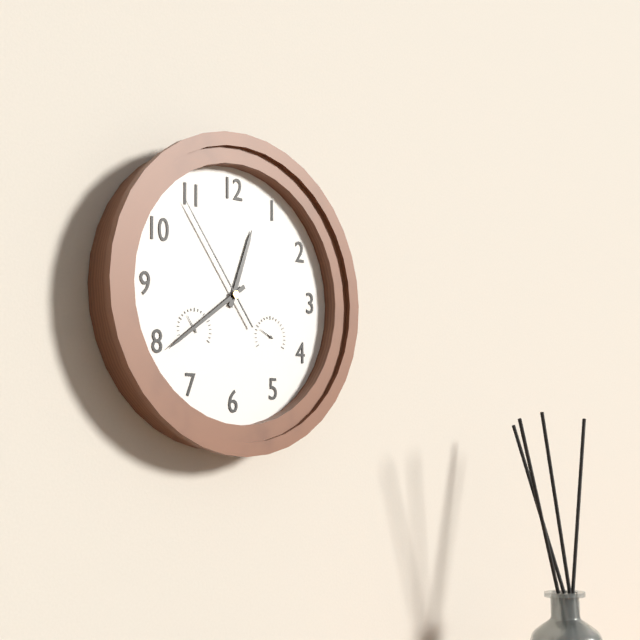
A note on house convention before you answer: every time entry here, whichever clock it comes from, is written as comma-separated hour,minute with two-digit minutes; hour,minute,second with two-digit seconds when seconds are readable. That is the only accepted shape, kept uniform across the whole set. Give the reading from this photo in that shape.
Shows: 12,39,54
